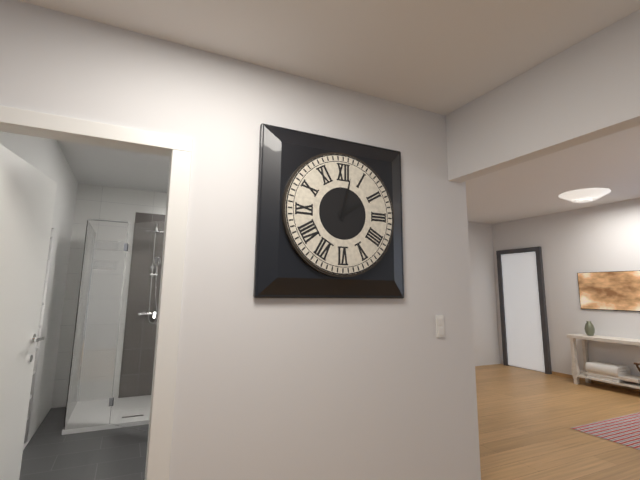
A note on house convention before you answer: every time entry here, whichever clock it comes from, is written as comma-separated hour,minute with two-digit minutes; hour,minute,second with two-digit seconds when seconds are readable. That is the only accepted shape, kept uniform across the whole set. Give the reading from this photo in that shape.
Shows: 2,02
